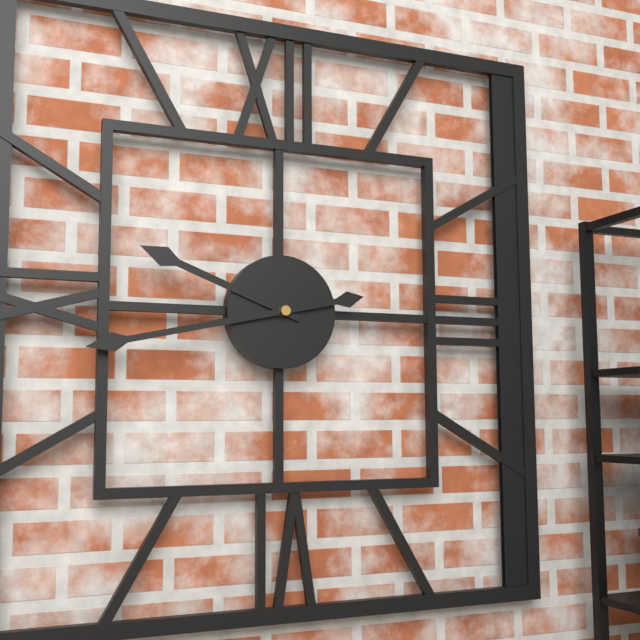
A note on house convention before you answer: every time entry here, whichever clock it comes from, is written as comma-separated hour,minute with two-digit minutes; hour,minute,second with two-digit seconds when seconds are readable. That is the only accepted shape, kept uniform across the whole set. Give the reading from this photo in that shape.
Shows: 9,43
